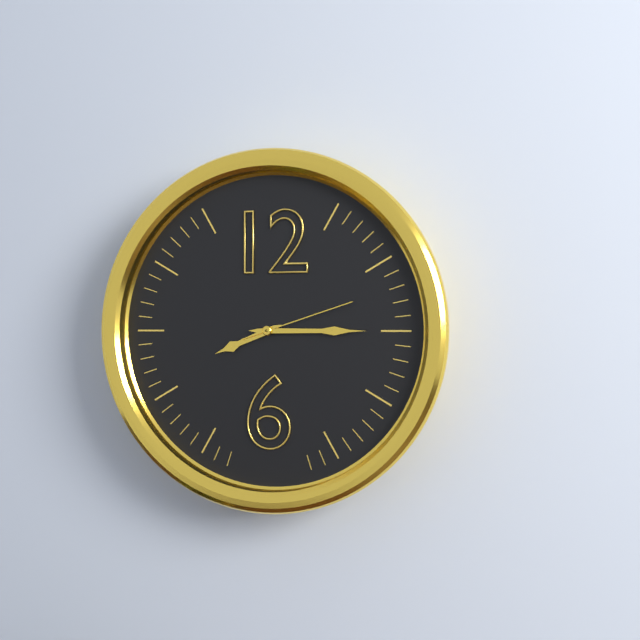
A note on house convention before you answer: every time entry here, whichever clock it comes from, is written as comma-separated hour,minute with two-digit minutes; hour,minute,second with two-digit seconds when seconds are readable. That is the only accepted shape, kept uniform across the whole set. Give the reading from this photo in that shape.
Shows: 8,15,12
